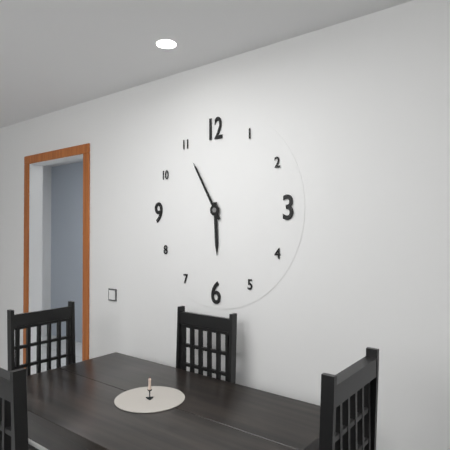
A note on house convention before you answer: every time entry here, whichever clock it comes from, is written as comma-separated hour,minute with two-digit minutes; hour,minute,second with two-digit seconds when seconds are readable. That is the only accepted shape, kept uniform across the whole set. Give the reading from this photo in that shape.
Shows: 5,55
